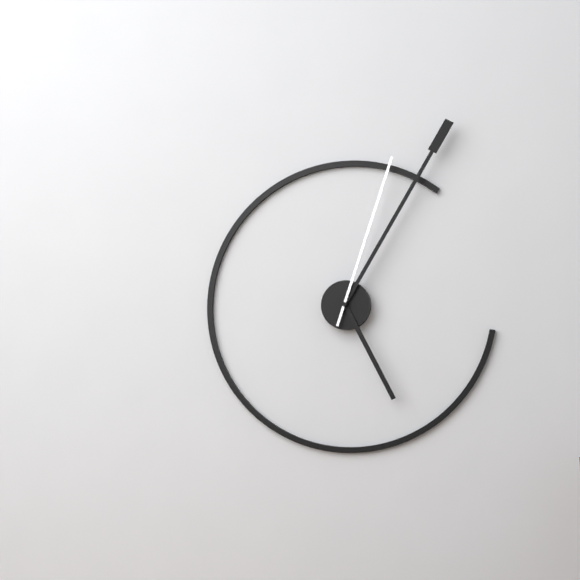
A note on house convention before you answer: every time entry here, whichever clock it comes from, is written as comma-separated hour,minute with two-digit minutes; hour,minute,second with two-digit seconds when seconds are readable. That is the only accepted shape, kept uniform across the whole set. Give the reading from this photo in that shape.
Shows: 5,05,03
